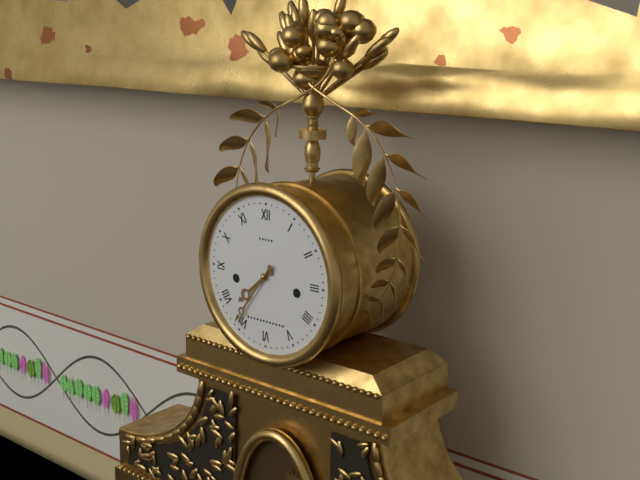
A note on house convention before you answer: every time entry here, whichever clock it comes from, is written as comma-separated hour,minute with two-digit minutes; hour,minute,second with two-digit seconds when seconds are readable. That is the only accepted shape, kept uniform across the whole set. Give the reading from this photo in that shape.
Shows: 7,36
